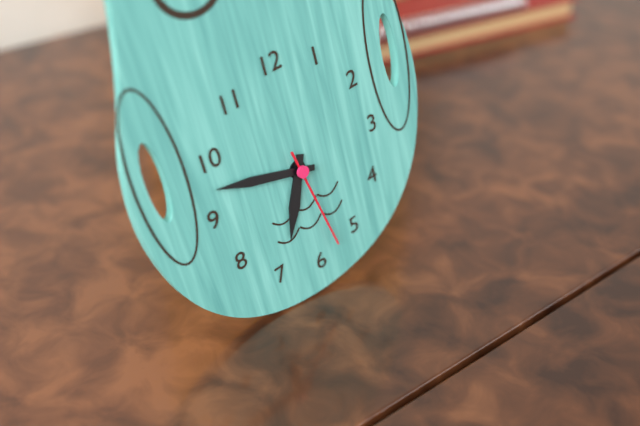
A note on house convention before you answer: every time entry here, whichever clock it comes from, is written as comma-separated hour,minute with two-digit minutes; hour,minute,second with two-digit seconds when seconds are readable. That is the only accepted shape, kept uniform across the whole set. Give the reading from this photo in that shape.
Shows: 6,48,28
